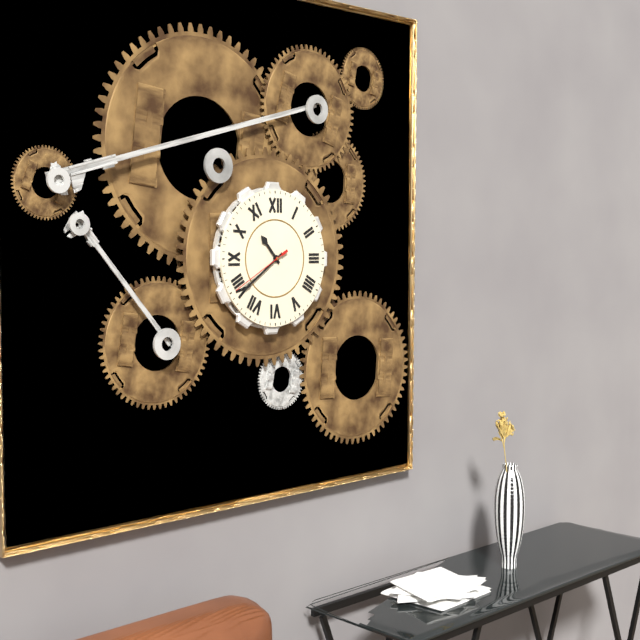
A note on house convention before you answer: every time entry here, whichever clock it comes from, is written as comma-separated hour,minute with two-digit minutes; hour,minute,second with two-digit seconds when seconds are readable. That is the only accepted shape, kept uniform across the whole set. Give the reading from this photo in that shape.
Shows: 10,39,40
